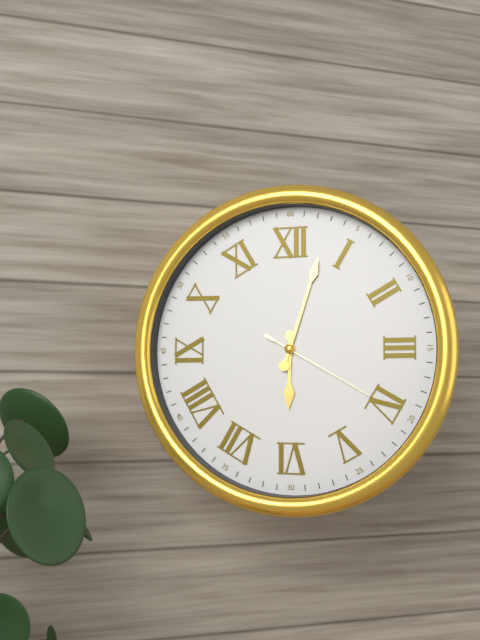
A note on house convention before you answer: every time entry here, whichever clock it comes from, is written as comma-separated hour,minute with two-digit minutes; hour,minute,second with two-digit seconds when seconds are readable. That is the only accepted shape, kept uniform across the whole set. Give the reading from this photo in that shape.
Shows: 6,03,20
